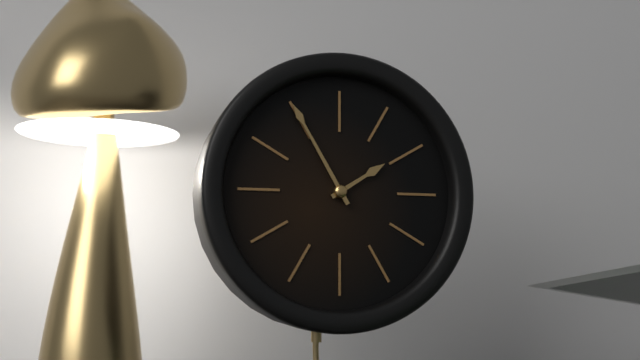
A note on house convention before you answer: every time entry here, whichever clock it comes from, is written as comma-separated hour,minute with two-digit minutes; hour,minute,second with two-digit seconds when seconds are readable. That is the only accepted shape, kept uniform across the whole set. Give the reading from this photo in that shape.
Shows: 1,55
